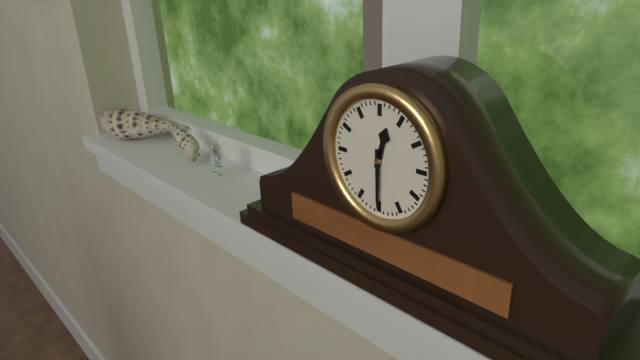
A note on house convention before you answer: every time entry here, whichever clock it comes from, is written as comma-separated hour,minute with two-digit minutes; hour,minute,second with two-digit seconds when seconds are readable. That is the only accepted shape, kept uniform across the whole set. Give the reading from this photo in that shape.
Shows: 12,30
